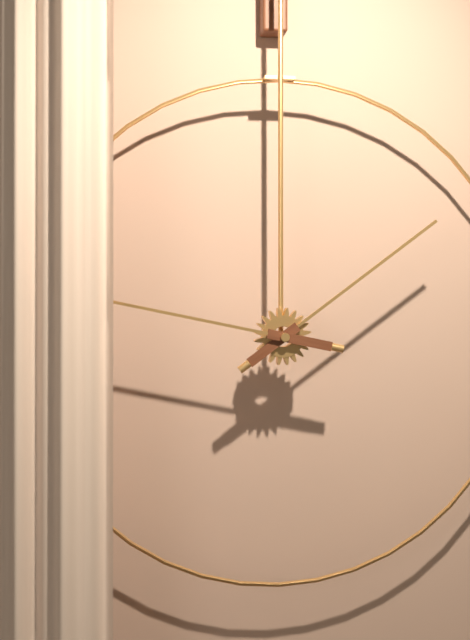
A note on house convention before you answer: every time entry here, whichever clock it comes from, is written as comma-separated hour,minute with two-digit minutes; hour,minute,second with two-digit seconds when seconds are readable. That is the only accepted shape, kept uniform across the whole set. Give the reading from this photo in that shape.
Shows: 1,47
